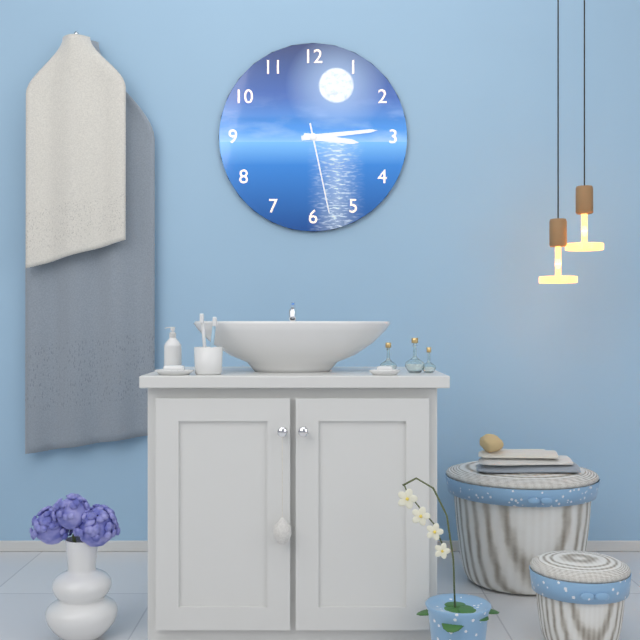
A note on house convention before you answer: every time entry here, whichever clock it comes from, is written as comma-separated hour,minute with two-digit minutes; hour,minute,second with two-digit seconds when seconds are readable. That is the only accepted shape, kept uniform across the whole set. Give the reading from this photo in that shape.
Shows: 3,14,28
